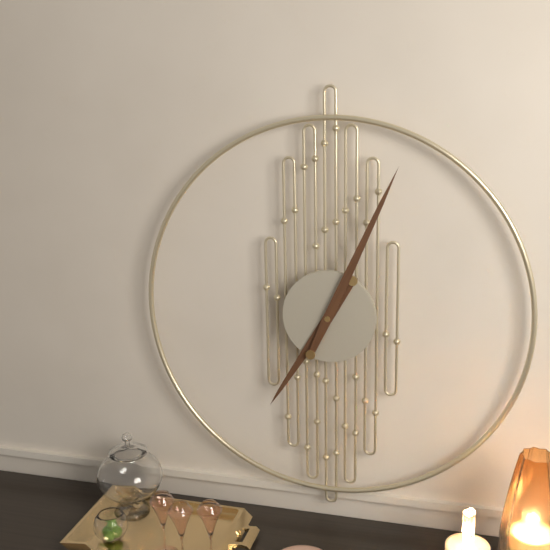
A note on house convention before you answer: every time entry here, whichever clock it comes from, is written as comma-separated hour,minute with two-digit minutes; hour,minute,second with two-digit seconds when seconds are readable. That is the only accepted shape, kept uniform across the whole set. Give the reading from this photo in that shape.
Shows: 7,04
